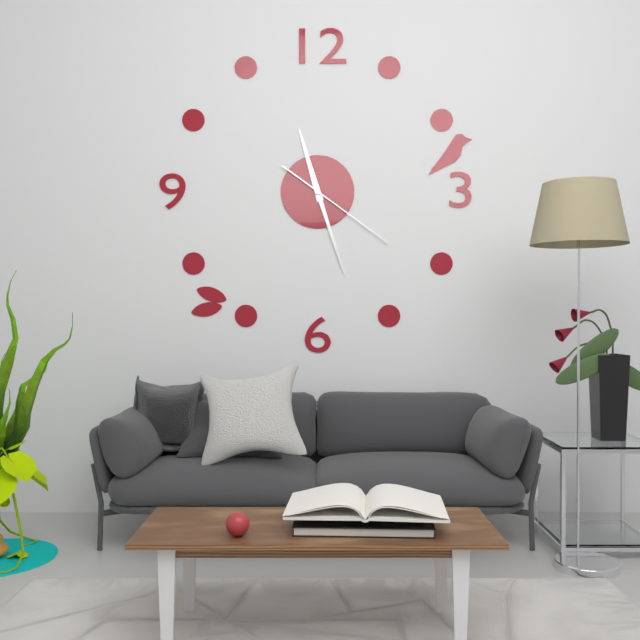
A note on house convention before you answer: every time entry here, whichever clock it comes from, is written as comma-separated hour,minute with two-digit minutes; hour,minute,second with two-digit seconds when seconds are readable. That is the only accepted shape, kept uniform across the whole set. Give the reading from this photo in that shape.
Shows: 11,27,21
